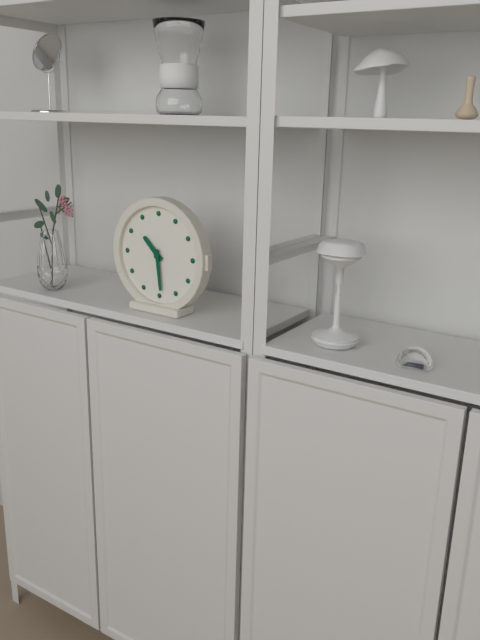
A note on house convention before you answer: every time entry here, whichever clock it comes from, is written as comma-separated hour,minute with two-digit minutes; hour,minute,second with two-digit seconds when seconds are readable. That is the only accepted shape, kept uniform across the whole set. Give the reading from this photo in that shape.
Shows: 10,29
